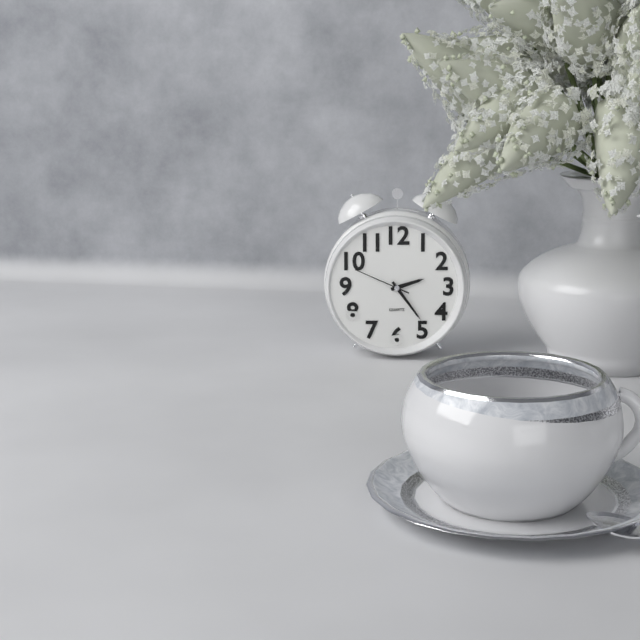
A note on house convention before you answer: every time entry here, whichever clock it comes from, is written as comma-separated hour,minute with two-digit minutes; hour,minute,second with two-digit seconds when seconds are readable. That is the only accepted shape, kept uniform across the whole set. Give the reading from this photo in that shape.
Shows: 2,24,49
